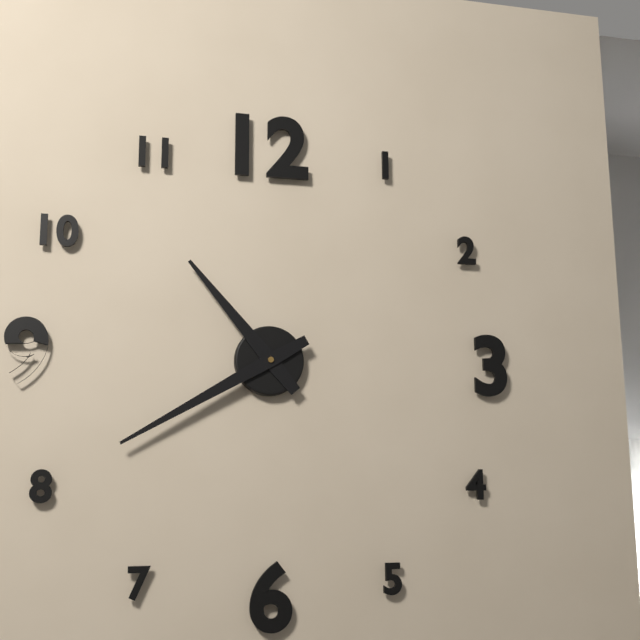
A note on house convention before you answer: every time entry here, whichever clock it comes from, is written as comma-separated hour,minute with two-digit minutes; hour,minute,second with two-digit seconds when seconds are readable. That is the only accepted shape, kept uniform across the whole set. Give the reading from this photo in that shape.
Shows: 10,40
